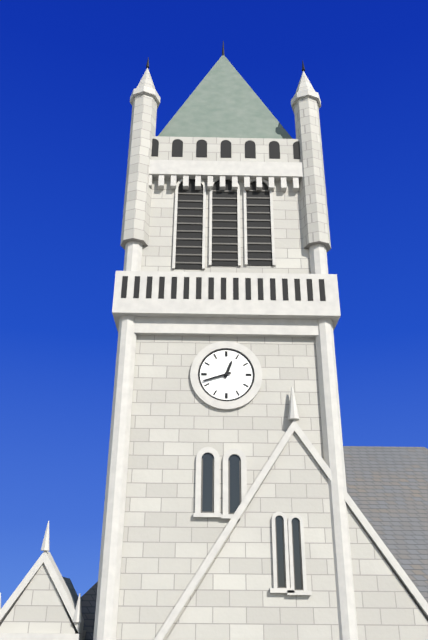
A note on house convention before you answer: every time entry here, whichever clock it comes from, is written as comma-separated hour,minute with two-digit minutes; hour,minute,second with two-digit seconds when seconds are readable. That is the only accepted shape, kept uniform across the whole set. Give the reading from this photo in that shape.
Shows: 12,42
